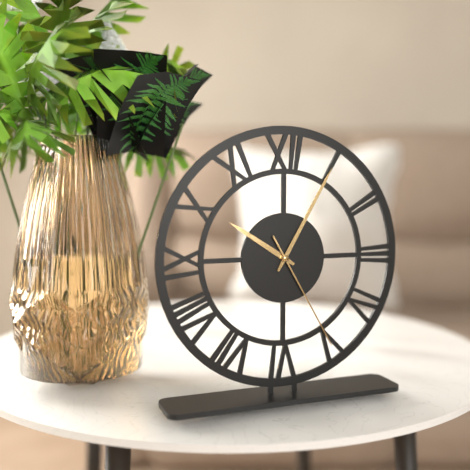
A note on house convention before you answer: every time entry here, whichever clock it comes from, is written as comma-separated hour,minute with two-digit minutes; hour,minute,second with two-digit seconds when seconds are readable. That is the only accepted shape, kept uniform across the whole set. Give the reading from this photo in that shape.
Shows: 10,05,25
